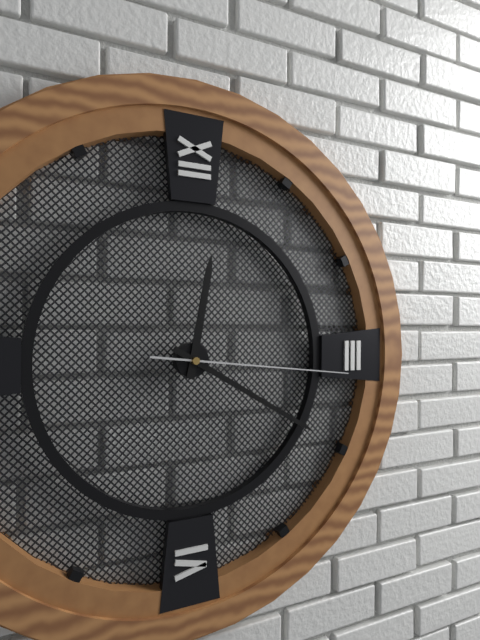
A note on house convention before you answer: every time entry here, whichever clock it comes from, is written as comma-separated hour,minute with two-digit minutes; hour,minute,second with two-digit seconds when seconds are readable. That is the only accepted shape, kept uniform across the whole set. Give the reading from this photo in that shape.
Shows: 12,20,16
